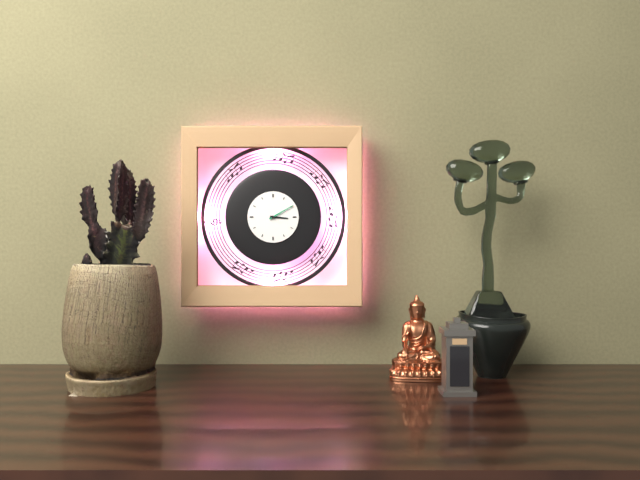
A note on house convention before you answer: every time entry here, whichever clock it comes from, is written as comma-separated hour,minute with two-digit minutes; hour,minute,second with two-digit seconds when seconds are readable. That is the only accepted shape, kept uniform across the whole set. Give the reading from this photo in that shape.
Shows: 3,10
